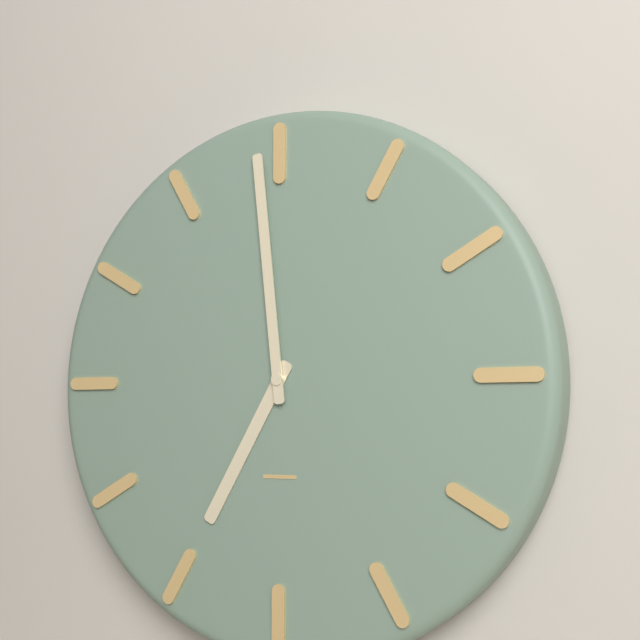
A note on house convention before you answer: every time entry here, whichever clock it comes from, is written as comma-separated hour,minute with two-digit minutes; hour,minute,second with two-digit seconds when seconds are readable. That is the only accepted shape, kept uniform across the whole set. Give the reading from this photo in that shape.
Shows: 6,59
